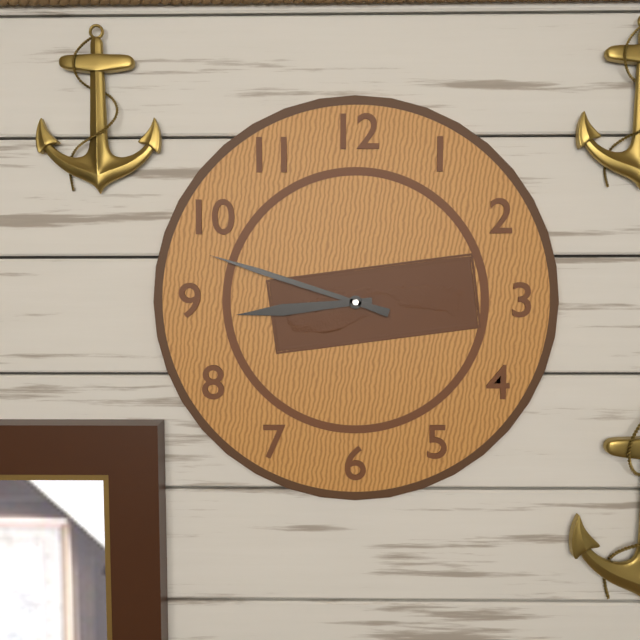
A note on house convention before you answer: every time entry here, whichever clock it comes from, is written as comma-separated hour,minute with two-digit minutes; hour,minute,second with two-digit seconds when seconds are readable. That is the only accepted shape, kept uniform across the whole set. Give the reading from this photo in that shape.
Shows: 8,48
